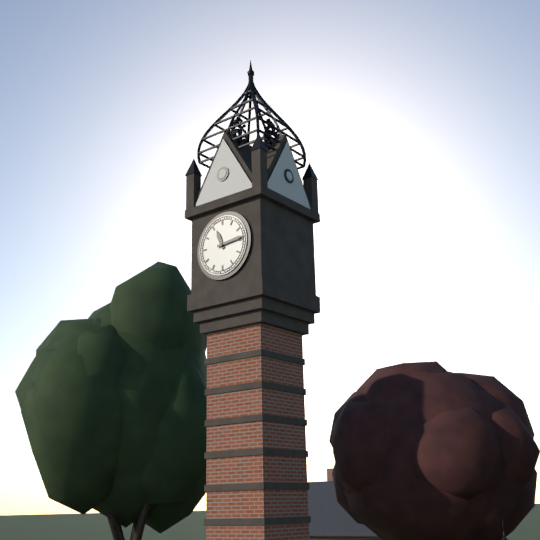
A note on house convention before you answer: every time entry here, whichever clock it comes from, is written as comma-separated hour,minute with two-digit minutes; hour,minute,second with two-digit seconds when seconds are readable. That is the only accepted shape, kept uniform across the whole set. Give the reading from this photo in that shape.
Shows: 11,14
